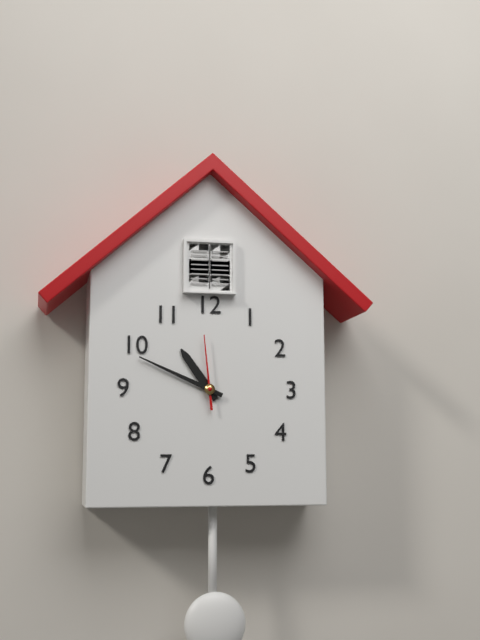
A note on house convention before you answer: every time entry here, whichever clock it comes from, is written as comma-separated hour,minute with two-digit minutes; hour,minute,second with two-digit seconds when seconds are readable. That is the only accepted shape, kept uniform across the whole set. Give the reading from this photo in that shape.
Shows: 10,49,59
